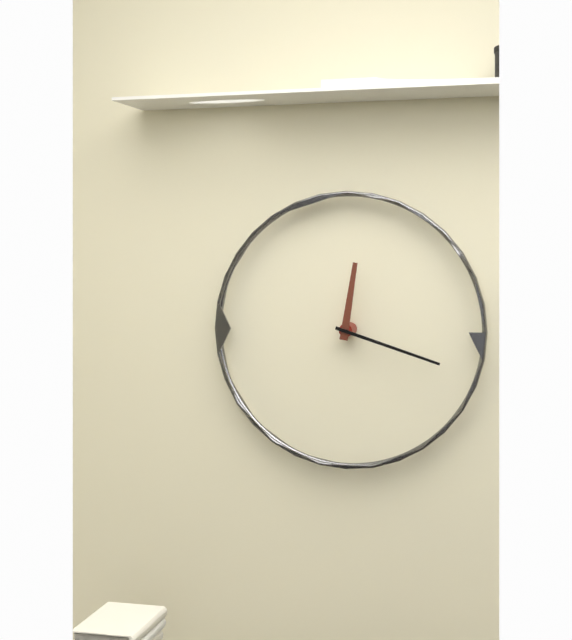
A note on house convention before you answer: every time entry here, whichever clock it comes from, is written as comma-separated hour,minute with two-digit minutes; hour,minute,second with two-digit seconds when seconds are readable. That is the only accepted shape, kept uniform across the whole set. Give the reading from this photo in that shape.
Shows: 12,18
